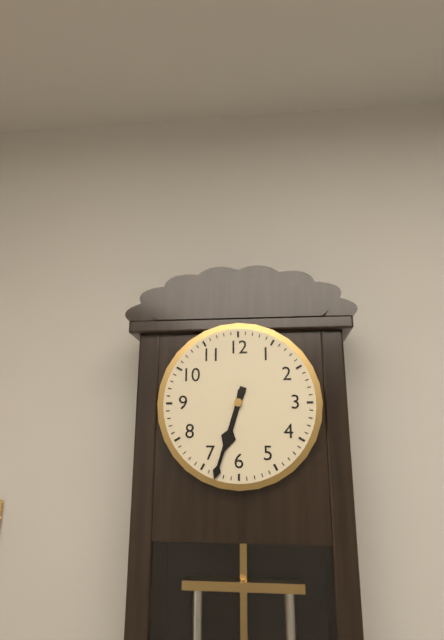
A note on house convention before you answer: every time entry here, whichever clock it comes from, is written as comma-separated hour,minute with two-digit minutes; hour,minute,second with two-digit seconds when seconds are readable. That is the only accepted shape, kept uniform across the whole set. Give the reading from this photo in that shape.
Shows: 6,33
